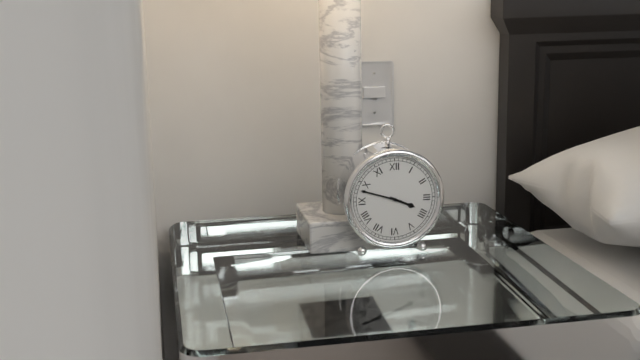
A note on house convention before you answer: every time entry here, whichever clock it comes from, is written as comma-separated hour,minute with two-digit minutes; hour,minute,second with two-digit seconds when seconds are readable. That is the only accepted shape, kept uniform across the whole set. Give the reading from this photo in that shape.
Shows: 3,48
